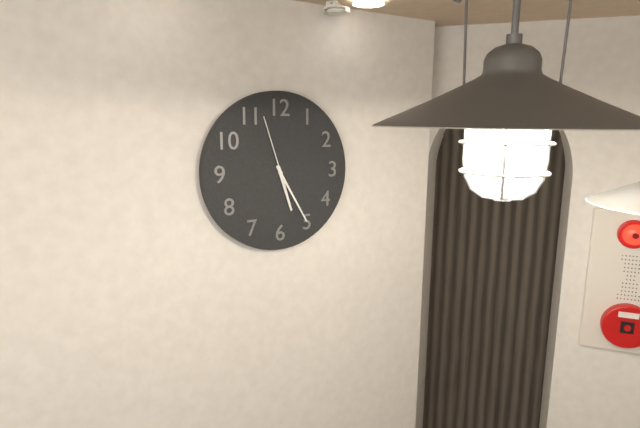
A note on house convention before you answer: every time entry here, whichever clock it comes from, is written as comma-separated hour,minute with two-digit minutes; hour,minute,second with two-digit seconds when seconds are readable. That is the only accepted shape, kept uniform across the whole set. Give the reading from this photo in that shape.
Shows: 5,25,57
